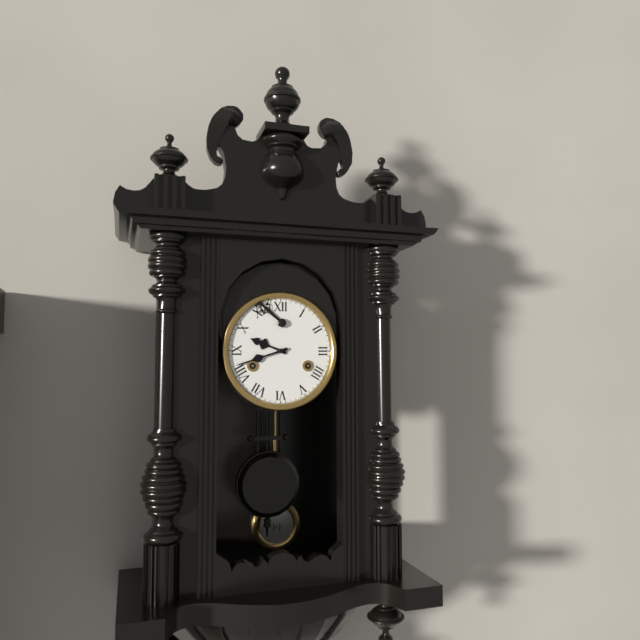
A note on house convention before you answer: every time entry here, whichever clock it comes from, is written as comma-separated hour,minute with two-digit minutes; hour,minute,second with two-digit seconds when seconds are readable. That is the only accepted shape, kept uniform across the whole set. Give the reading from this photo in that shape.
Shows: 9,42
